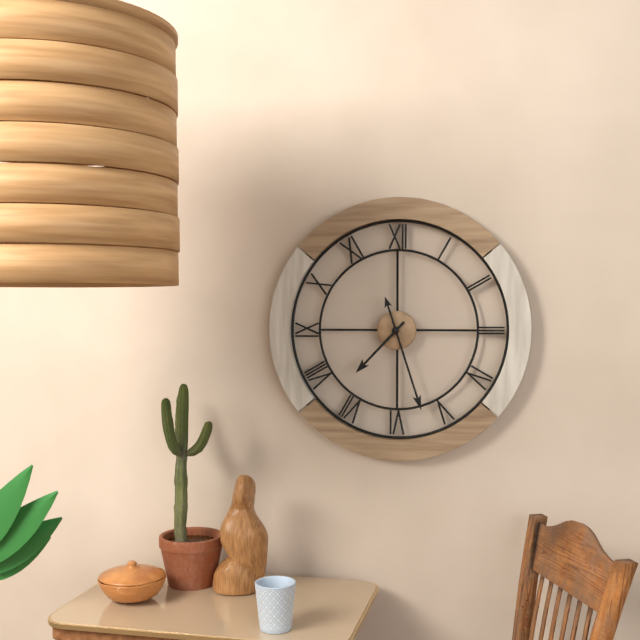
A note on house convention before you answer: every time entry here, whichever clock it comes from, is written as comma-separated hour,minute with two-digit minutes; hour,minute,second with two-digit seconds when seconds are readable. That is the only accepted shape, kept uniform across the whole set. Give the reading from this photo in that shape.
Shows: 7,27
